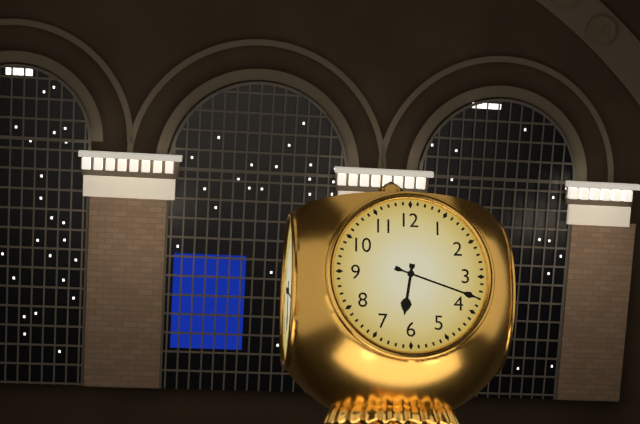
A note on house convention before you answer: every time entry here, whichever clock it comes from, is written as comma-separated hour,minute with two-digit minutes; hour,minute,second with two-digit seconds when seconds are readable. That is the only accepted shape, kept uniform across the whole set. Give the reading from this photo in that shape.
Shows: 6,18
